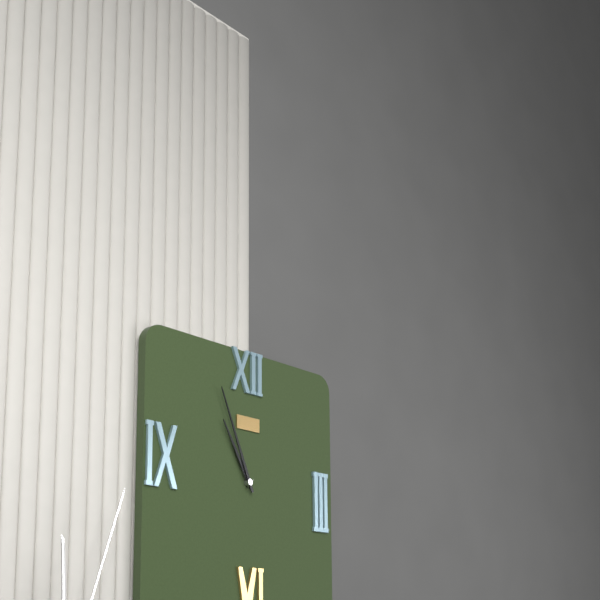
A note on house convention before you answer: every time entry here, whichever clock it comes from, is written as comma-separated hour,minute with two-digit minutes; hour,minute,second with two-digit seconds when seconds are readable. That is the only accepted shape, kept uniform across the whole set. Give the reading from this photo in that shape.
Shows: 10,56
